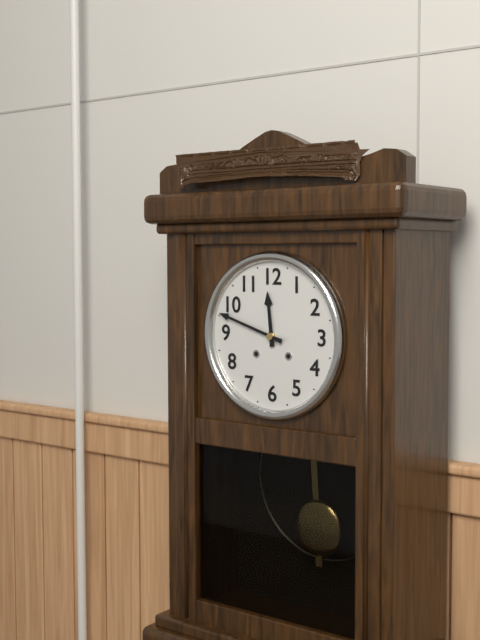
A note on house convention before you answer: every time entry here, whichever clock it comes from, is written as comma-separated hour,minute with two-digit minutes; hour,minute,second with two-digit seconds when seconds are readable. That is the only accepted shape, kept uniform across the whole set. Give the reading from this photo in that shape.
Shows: 11,48
